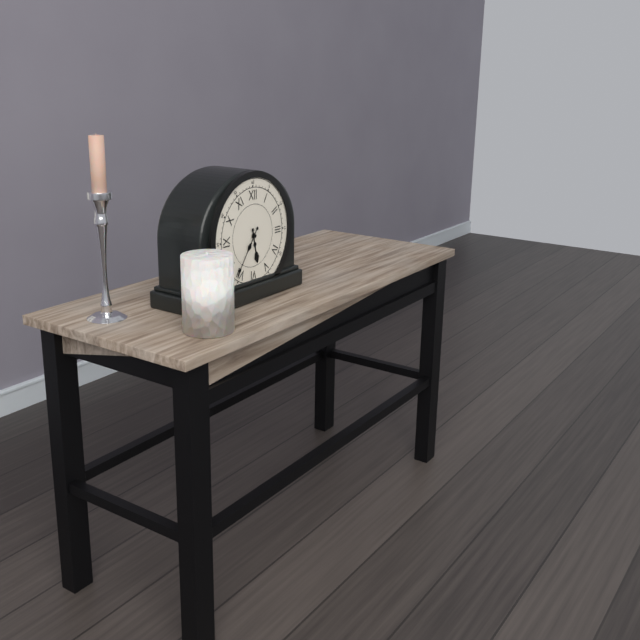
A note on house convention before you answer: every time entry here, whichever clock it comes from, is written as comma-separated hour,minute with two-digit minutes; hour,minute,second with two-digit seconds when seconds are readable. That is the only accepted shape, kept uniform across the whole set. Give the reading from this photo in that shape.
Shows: 5,36
